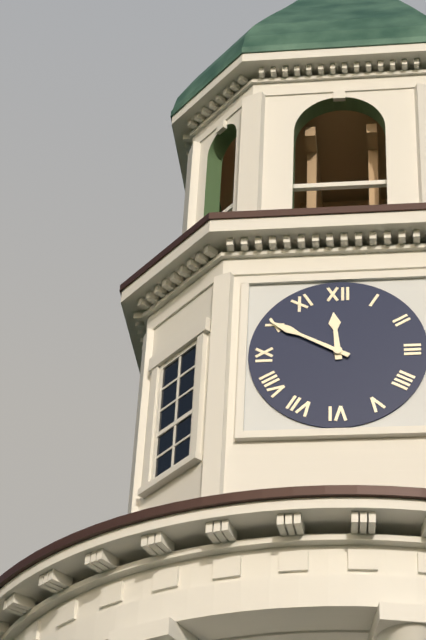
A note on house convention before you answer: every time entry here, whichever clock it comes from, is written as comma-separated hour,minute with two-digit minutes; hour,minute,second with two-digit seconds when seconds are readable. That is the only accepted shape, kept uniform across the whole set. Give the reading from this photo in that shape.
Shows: 11,50
